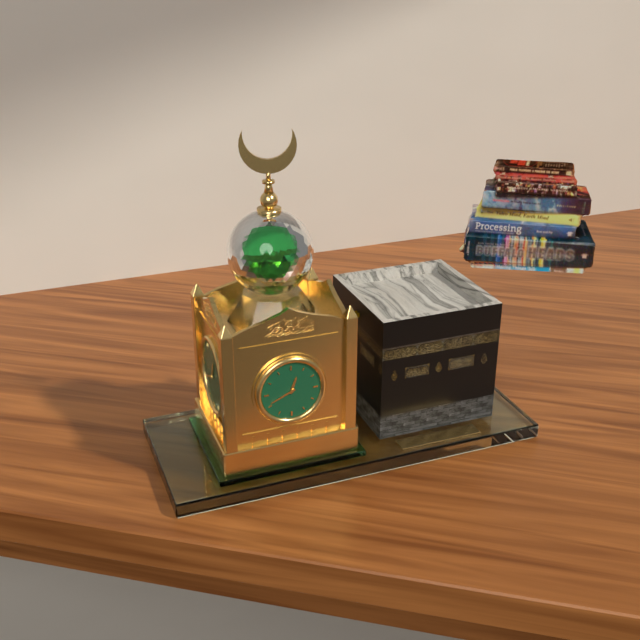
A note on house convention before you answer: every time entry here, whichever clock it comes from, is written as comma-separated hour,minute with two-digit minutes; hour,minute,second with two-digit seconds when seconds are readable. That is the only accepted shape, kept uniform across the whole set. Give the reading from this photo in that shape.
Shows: 12,41
